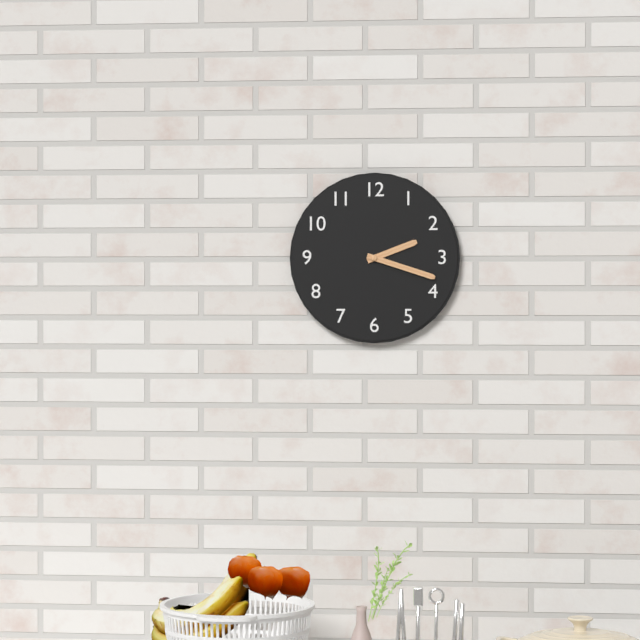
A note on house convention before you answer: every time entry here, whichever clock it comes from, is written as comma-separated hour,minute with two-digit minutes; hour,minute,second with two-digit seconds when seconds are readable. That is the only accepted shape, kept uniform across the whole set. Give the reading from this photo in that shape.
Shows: 2,18
